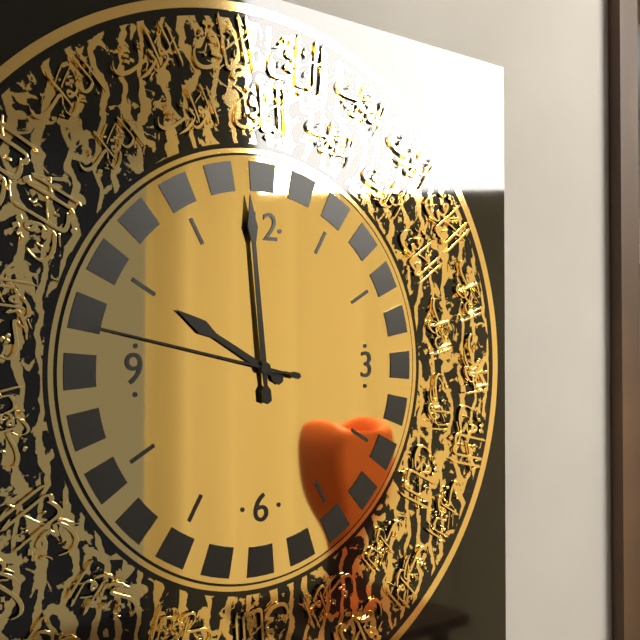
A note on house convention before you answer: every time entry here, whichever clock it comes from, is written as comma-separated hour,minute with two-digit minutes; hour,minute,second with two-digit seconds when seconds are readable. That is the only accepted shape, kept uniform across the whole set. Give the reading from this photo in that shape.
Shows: 9,59,47
